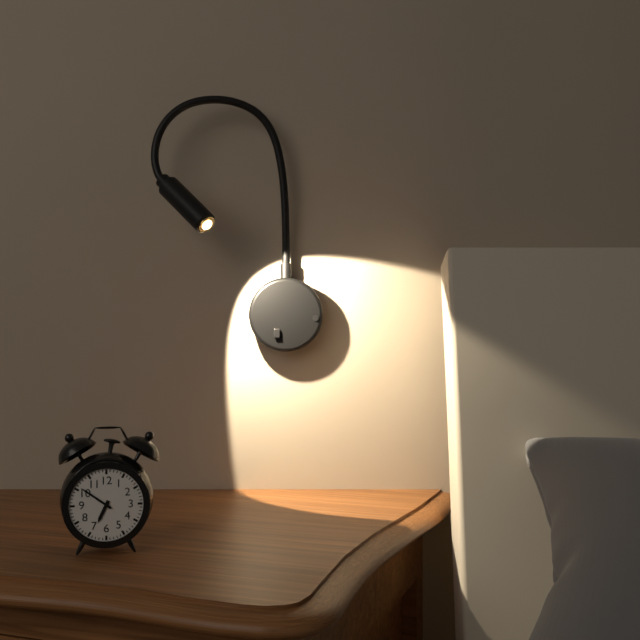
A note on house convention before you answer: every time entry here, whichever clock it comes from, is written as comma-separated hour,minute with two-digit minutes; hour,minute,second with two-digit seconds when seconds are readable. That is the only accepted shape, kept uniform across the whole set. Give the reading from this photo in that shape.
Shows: 6,51
